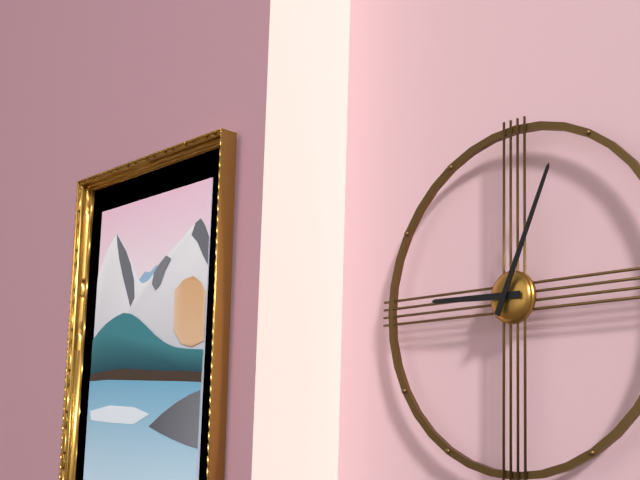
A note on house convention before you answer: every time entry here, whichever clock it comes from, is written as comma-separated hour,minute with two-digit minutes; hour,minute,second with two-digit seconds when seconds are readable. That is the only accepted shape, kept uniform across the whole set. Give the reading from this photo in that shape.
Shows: 9,04
